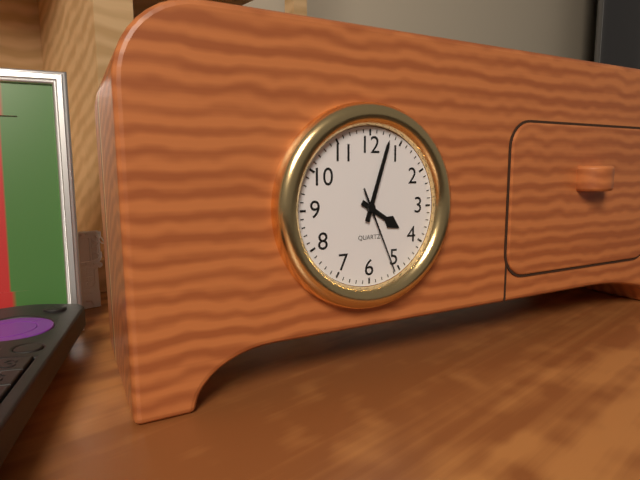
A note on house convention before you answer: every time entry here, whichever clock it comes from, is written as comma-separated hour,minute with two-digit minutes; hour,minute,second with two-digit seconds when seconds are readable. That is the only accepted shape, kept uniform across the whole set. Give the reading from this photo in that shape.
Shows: 4,03,26
